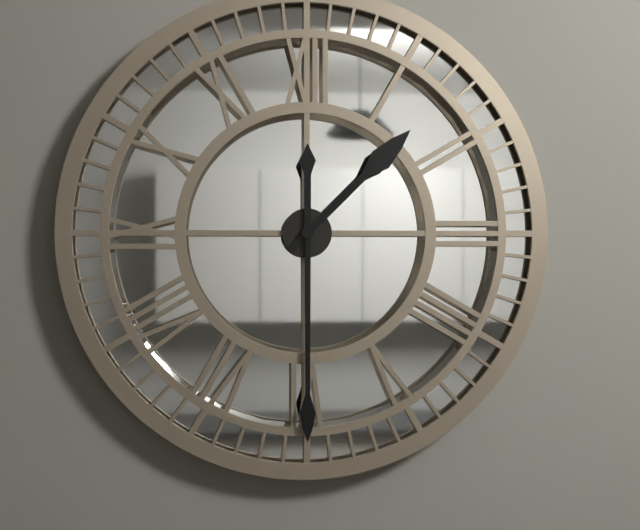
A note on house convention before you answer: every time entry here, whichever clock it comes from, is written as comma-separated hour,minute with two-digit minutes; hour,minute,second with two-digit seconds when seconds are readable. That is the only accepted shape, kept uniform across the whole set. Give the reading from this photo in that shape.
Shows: 1,30
